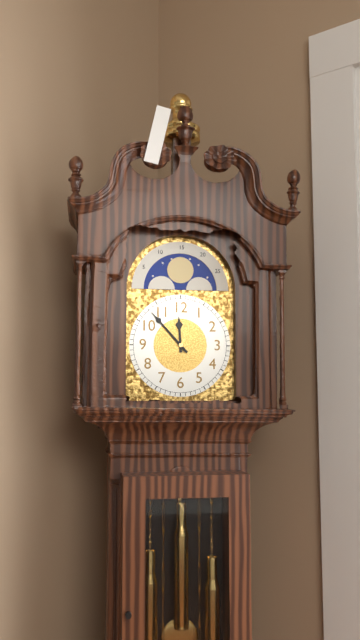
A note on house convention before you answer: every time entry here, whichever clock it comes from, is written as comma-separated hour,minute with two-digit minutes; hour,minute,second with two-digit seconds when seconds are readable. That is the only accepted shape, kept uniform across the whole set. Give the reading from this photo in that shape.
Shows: 11,53
